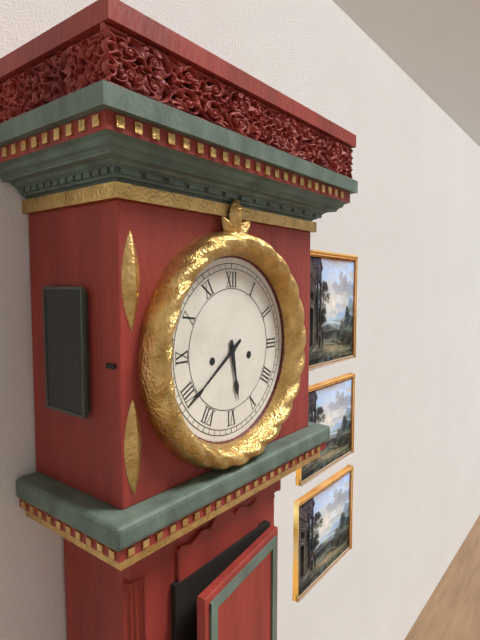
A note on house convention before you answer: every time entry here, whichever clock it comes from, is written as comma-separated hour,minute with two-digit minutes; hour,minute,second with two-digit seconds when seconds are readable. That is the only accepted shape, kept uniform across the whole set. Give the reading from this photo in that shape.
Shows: 5,39
